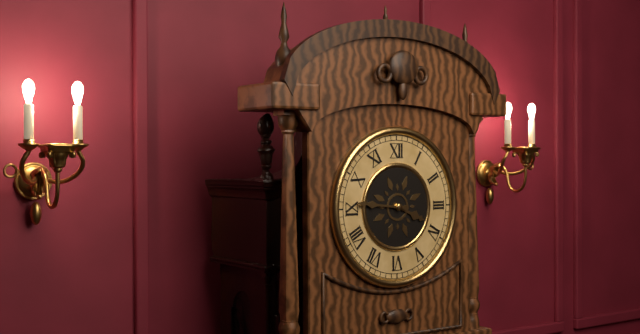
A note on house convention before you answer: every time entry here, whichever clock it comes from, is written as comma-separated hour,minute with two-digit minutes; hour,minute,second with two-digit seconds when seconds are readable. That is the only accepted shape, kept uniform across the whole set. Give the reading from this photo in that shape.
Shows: 3,46
